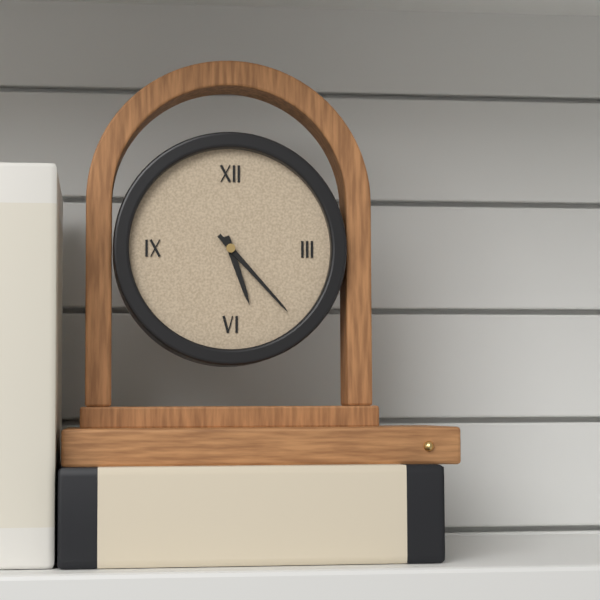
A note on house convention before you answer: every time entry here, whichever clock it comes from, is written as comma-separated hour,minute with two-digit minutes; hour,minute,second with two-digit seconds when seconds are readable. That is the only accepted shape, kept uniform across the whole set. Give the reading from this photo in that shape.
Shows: 5,23
